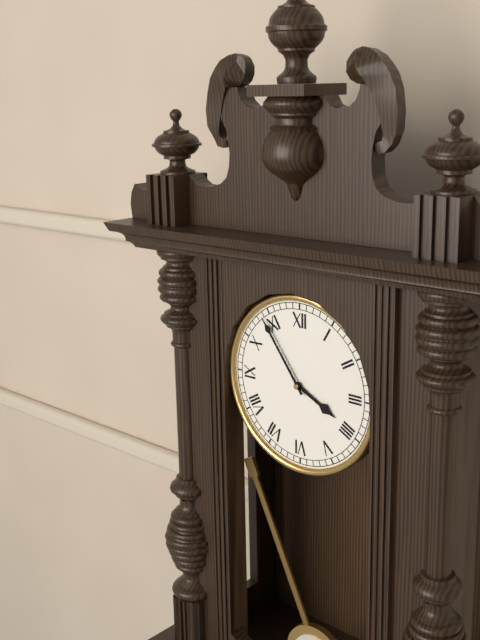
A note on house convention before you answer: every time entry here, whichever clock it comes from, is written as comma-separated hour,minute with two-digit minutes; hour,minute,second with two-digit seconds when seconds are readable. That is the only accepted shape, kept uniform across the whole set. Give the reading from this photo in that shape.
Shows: 3,54
